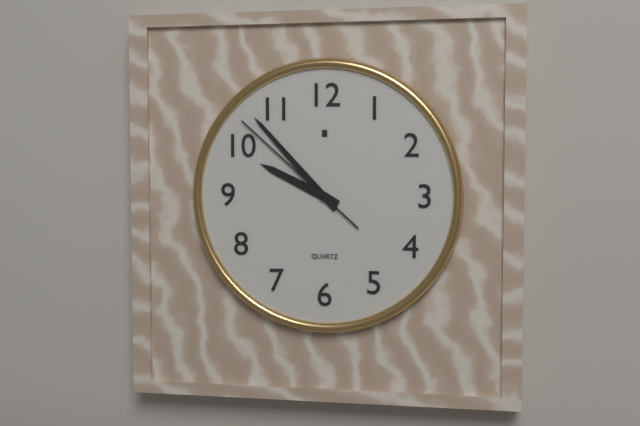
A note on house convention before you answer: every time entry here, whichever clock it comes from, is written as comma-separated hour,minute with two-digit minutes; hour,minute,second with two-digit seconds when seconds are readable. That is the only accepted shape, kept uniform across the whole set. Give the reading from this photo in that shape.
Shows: 9,53,52
